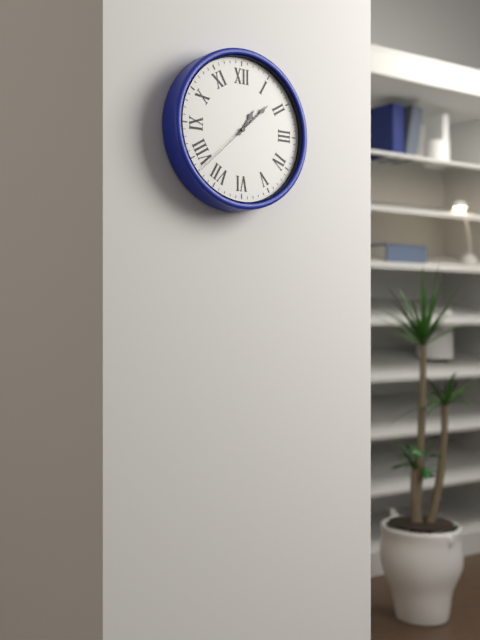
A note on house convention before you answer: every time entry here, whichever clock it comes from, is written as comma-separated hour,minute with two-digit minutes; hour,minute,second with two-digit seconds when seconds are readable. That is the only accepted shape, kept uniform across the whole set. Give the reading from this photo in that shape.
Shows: 1,08,38
